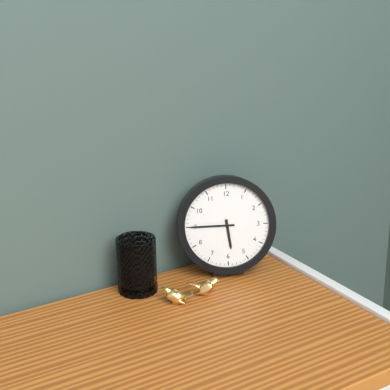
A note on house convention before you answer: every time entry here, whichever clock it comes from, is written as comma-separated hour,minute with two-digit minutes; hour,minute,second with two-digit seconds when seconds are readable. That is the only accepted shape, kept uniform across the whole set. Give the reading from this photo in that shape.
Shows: 5,45
